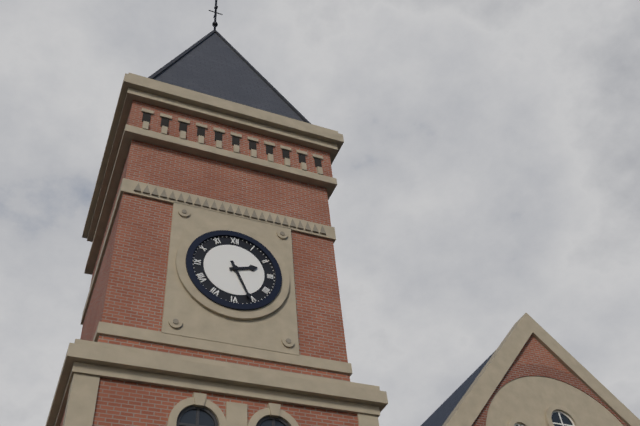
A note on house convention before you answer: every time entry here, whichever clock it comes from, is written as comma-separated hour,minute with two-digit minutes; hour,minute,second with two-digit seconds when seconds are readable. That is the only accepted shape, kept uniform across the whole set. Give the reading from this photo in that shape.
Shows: 2,26
